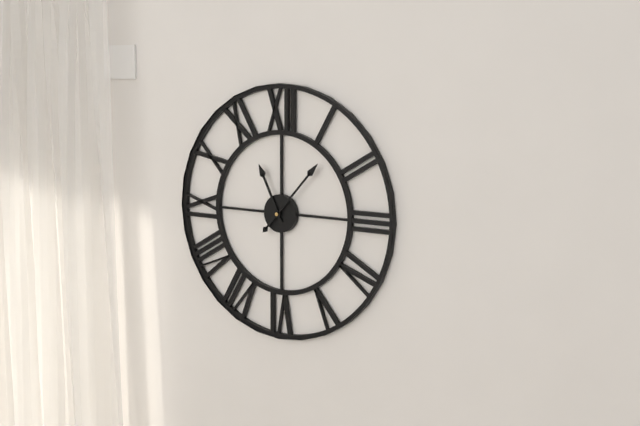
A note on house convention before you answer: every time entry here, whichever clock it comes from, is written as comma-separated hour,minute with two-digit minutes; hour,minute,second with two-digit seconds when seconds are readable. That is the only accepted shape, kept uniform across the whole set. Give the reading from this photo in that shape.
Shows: 11,07
